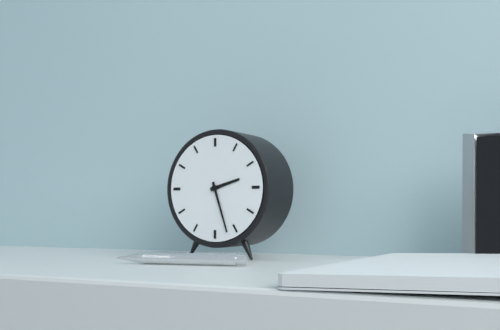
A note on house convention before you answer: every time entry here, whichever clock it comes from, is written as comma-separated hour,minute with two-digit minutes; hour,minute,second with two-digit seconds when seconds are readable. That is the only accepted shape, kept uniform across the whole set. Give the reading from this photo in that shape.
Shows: 2,27
